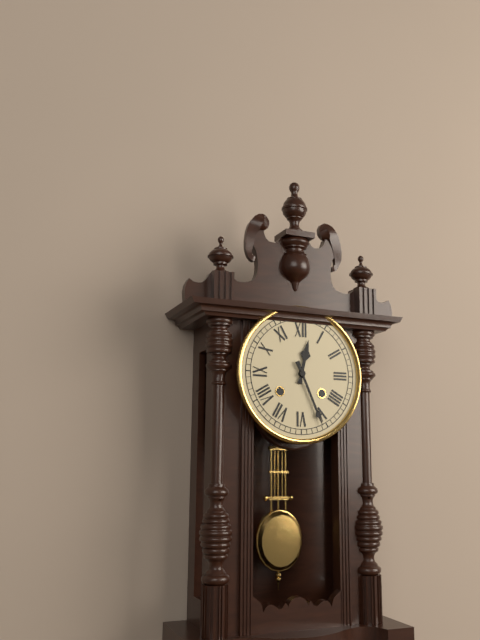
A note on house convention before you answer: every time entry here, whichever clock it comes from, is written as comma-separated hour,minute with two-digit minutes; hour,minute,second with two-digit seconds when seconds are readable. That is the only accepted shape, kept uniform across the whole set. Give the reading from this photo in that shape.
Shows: 12,26
